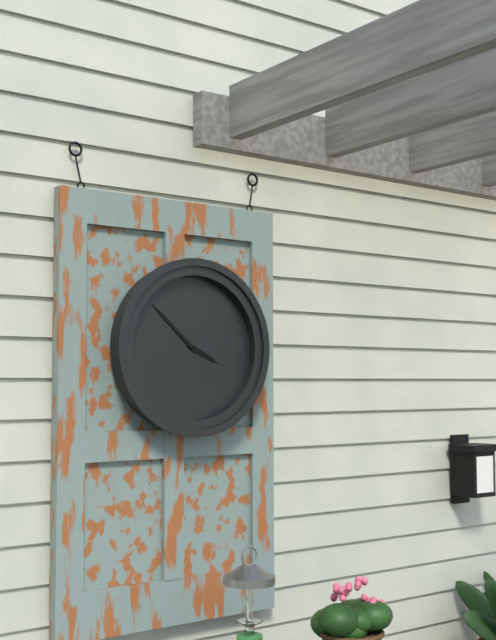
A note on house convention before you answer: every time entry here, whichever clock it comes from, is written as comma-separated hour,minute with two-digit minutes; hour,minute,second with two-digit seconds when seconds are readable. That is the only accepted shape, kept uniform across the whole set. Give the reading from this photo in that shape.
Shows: 3,52
